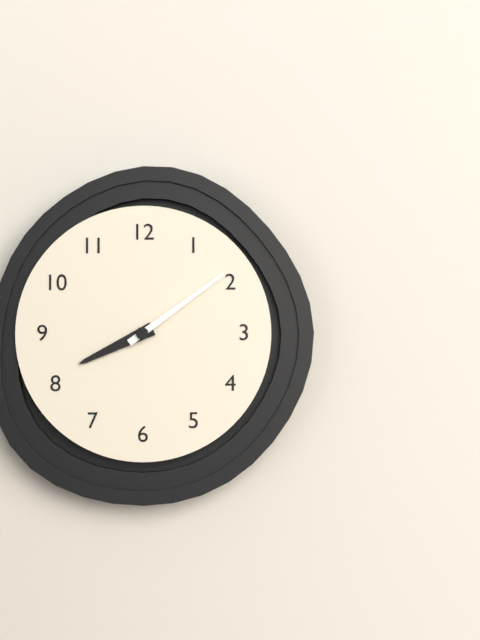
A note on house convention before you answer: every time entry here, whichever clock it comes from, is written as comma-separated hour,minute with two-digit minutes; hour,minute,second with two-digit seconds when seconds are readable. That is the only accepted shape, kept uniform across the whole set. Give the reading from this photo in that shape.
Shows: 8,09
